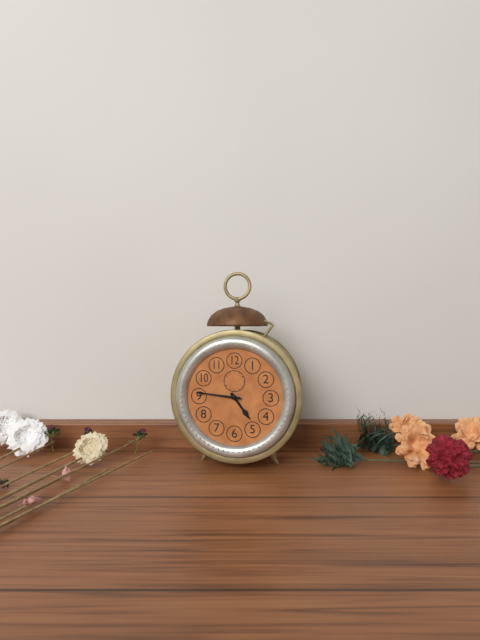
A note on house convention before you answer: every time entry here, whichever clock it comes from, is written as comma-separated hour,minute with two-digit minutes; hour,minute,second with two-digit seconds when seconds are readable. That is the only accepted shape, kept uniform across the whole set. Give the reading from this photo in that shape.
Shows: 4,46
